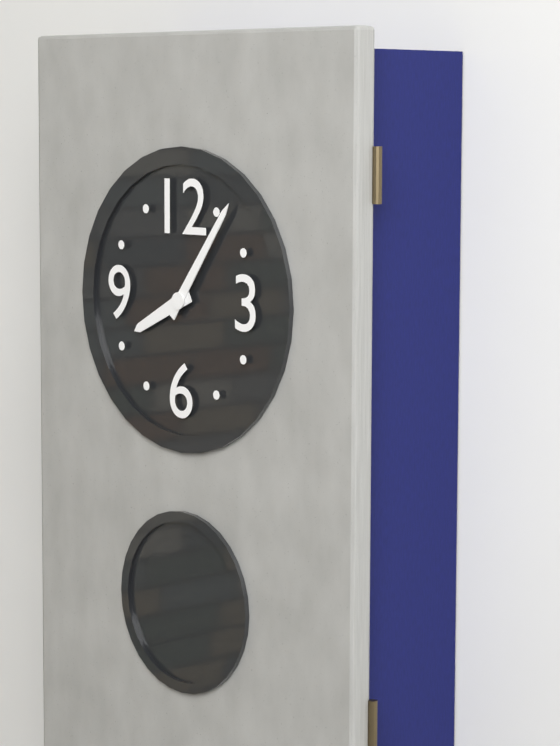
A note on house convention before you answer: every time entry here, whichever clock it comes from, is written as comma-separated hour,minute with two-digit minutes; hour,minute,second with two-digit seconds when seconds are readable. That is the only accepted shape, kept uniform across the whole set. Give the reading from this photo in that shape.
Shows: 8,06
